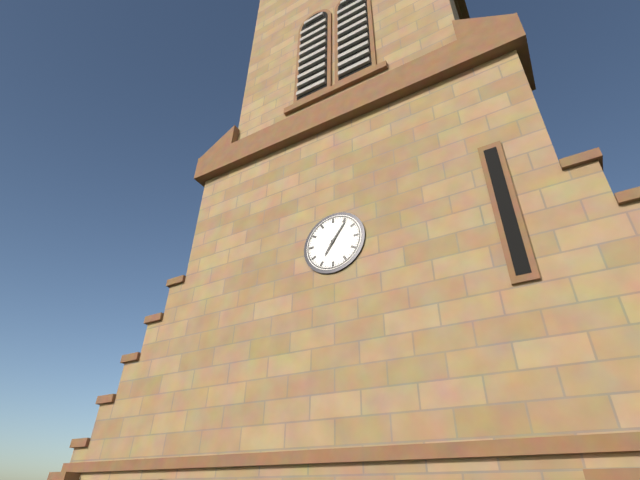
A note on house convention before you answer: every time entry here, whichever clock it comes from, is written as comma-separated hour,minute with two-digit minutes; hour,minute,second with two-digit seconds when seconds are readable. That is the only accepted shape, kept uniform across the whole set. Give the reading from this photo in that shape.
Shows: 7,06
